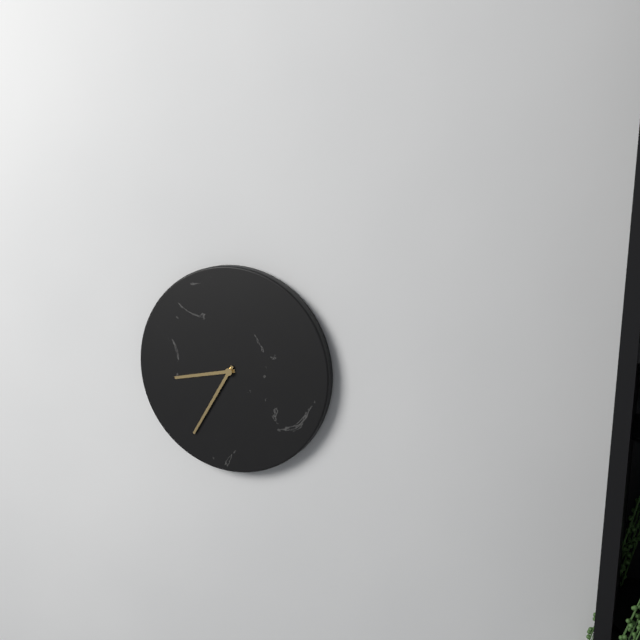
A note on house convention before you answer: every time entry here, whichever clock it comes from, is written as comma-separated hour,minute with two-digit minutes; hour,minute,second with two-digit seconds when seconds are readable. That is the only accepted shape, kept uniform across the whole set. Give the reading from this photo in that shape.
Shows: 8,35
